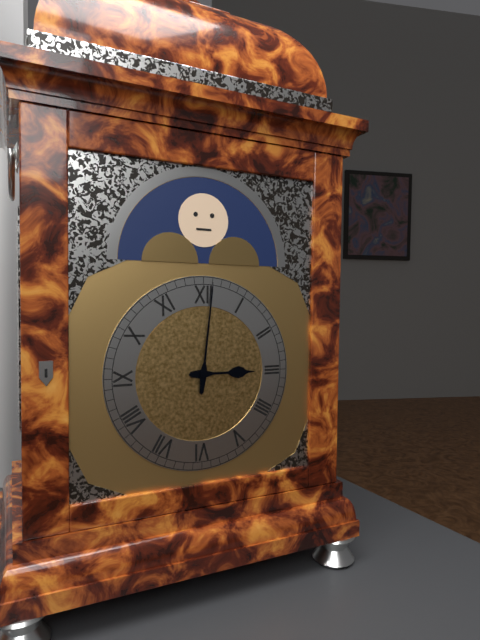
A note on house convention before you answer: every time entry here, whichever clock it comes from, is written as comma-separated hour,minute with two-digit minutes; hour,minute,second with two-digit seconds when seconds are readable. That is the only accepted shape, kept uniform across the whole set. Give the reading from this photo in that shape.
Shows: 3,01
